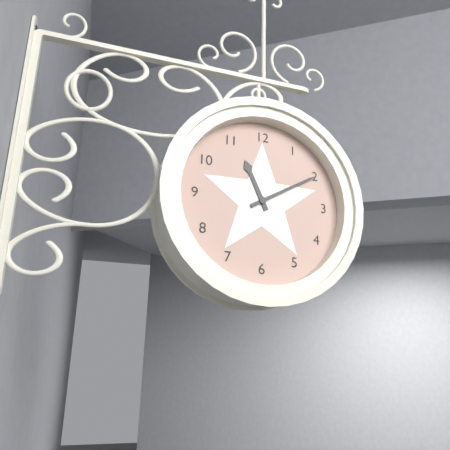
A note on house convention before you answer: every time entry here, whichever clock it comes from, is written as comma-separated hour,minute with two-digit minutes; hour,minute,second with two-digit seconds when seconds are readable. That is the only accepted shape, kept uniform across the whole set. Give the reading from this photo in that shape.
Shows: 11,10
